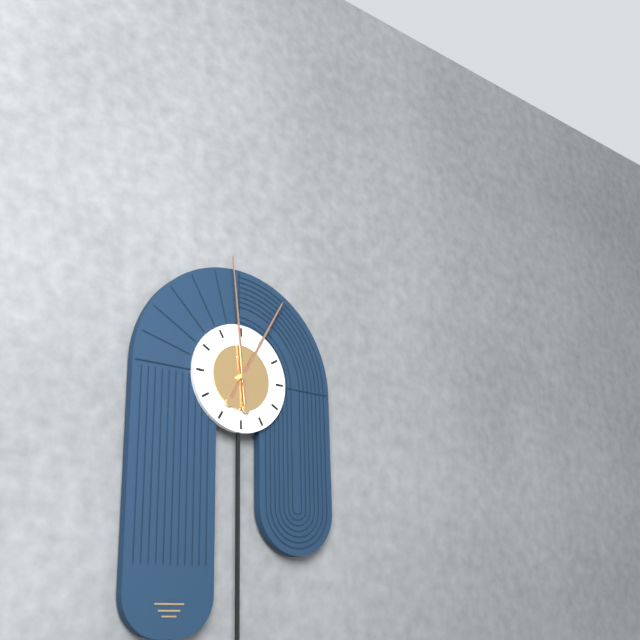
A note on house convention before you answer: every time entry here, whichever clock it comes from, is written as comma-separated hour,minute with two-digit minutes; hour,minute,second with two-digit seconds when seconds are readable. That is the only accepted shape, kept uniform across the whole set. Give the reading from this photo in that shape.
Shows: 12,59
